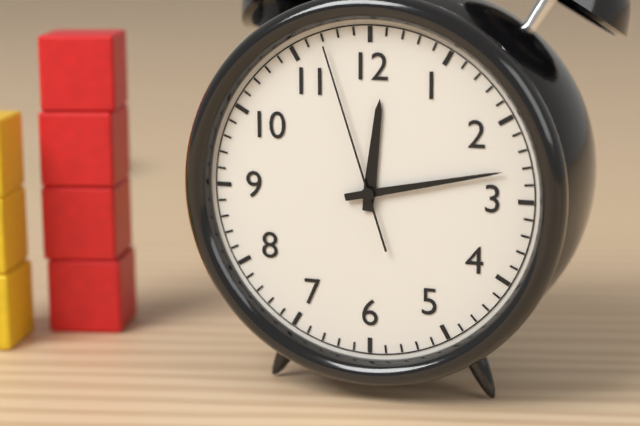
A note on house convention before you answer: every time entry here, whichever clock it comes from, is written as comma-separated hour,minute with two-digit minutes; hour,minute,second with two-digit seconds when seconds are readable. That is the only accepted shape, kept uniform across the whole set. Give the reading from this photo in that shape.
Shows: 12,13,57
